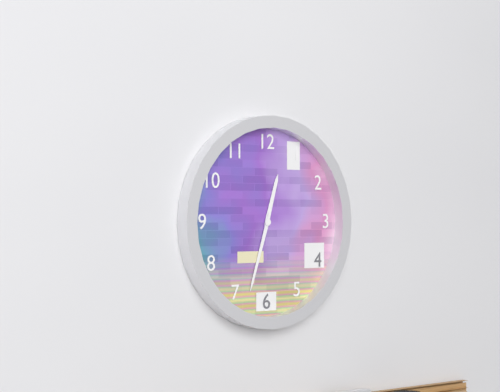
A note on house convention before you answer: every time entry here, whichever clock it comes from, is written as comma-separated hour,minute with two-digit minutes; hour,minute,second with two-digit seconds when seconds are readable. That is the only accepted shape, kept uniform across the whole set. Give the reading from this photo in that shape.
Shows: 12,33
